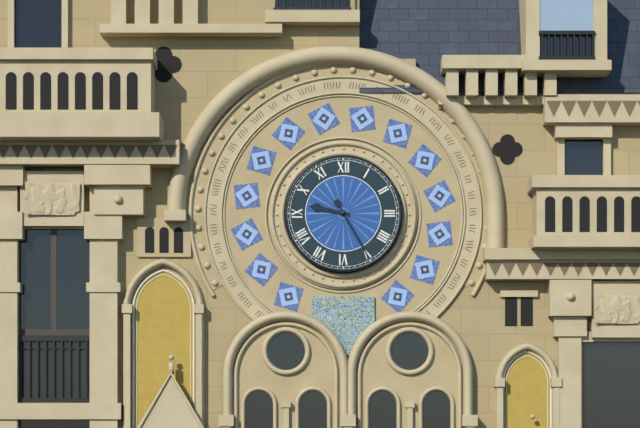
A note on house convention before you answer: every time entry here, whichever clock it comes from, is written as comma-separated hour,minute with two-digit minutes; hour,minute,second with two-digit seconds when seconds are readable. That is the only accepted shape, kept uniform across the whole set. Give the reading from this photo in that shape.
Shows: 9,25
